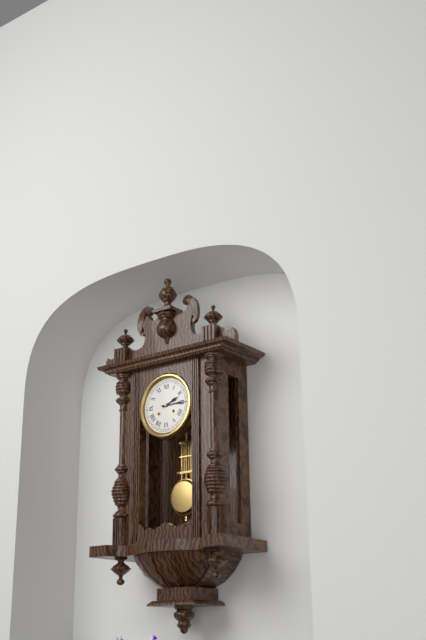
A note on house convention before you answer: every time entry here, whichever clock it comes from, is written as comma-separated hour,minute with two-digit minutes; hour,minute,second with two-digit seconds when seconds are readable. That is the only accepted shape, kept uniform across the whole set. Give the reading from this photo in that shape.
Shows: 2,15
